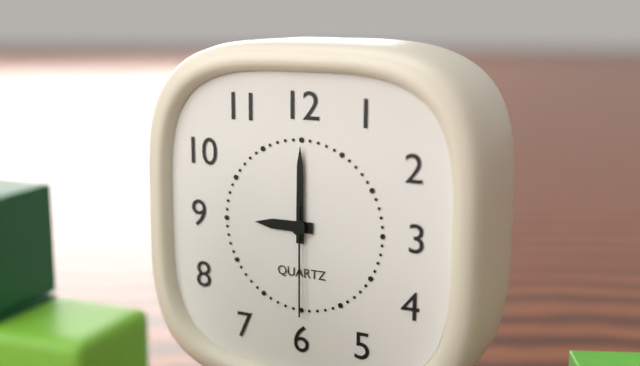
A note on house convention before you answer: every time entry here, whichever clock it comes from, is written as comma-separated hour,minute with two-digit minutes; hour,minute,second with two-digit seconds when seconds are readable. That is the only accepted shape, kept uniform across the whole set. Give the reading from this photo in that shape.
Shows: 9,00,30
